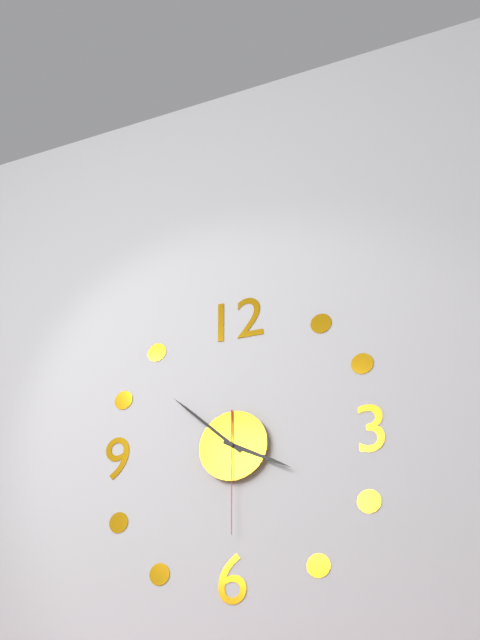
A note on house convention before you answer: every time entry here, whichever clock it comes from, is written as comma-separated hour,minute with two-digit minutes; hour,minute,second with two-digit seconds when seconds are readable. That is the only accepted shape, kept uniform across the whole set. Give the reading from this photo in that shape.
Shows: 3,52,30
